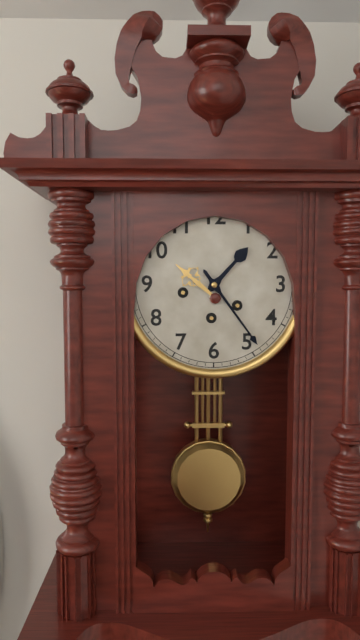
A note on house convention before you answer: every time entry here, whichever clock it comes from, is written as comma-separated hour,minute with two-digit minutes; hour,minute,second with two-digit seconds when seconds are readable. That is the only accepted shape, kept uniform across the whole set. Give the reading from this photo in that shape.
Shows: 1,24
